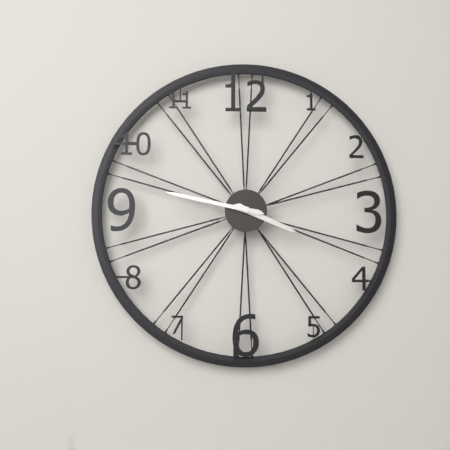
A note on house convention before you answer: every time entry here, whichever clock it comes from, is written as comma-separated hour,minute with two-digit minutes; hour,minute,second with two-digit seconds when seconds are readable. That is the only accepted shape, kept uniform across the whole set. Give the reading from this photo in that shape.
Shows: 3,47
